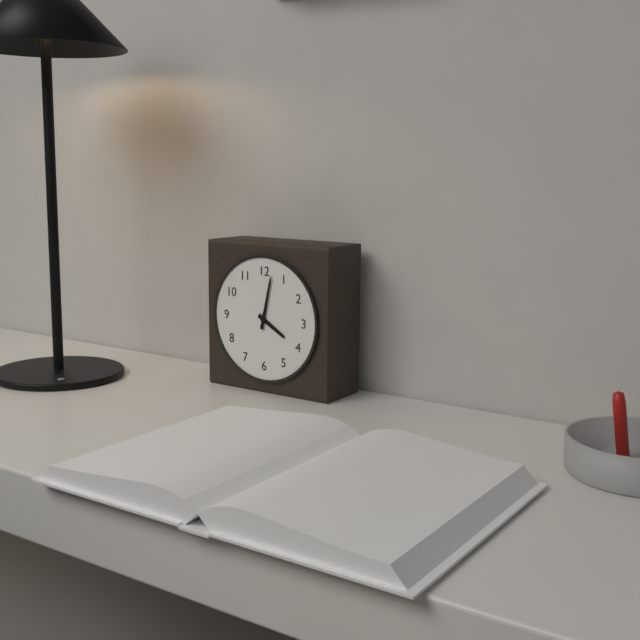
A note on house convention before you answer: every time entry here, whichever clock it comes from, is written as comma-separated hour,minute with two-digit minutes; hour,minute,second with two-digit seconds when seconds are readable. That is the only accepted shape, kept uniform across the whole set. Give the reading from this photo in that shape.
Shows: 4,02
